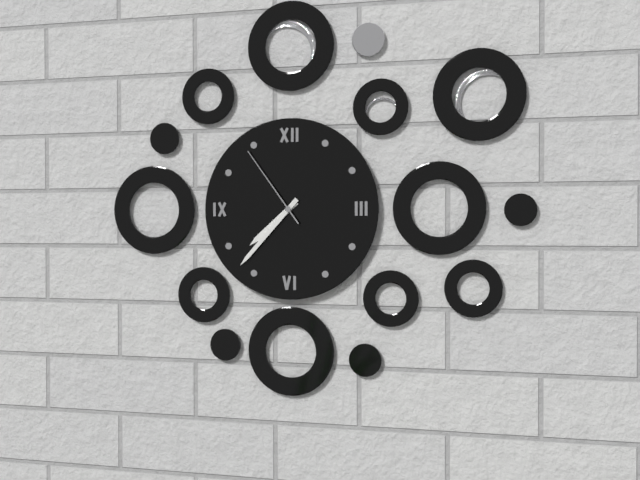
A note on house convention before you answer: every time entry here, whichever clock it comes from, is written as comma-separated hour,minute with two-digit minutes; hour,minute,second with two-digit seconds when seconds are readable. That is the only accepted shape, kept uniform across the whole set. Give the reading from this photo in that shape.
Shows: 7,37,54
